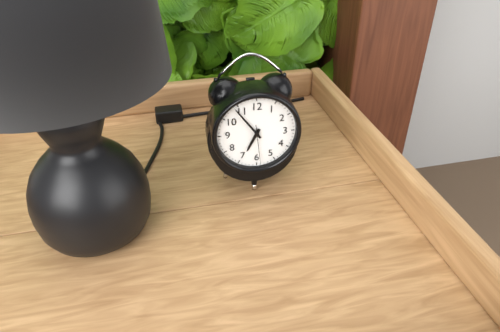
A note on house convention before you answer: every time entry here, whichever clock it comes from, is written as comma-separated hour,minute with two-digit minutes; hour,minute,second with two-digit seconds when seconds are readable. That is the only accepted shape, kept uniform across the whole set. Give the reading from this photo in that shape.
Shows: 6,54
